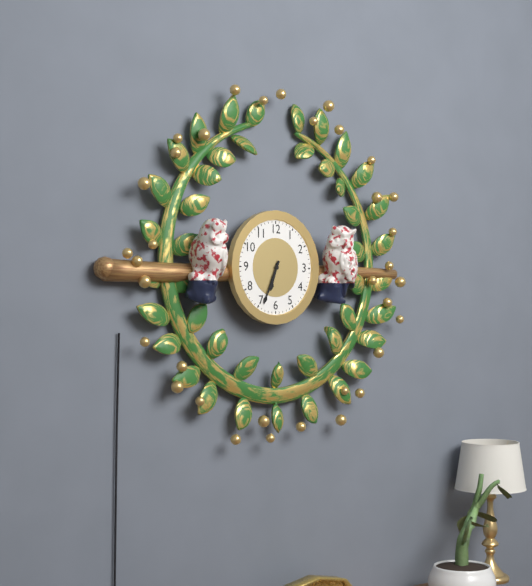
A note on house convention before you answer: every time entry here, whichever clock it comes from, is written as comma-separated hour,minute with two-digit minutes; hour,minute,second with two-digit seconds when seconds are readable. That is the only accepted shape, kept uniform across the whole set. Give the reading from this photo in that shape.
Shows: 6,34
